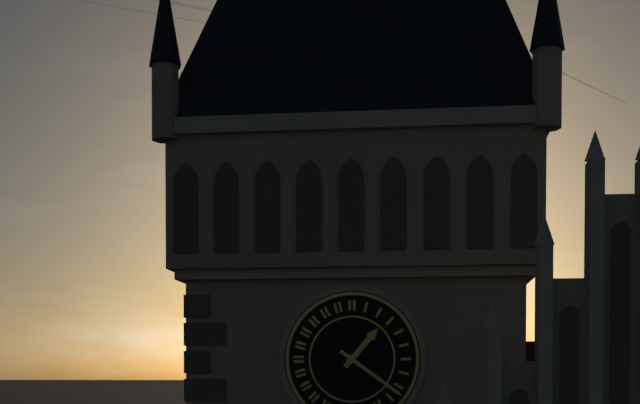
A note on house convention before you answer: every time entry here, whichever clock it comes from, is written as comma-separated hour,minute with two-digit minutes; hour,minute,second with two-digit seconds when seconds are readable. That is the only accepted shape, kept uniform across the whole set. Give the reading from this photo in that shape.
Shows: 1,21
